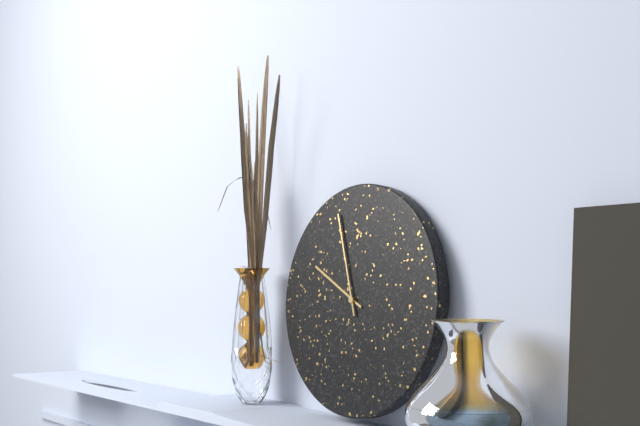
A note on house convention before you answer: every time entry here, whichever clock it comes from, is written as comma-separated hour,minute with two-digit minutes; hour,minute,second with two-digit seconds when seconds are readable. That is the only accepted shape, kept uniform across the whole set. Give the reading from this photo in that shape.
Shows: 9,57
